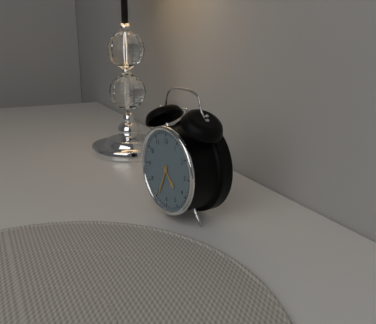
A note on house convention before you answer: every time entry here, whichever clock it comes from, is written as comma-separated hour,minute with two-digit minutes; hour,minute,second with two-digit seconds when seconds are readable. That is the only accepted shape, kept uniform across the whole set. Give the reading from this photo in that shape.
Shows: 4,34
